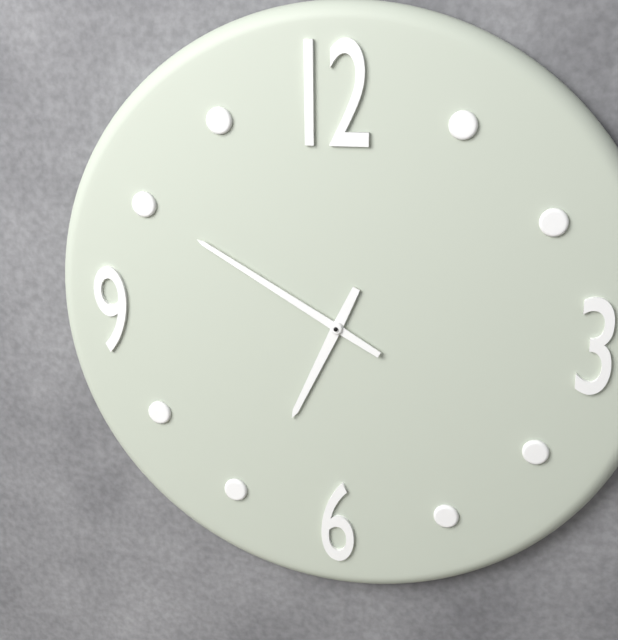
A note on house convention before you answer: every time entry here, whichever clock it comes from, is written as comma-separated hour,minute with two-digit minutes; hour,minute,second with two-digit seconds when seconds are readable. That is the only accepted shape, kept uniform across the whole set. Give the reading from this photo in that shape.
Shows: 6,50
